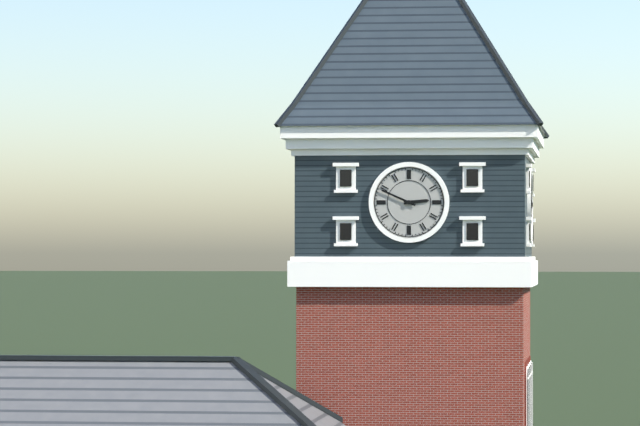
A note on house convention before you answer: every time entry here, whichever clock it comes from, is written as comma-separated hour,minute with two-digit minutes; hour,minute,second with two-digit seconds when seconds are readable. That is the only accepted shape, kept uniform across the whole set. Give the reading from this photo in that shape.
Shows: 2,49
